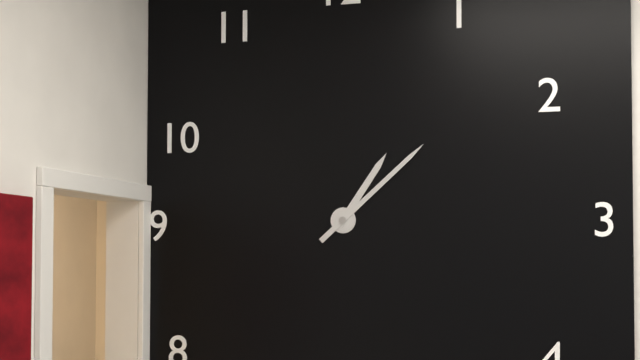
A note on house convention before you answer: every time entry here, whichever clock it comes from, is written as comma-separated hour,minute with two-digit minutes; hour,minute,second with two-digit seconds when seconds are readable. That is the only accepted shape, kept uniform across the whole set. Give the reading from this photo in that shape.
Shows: 1,08
